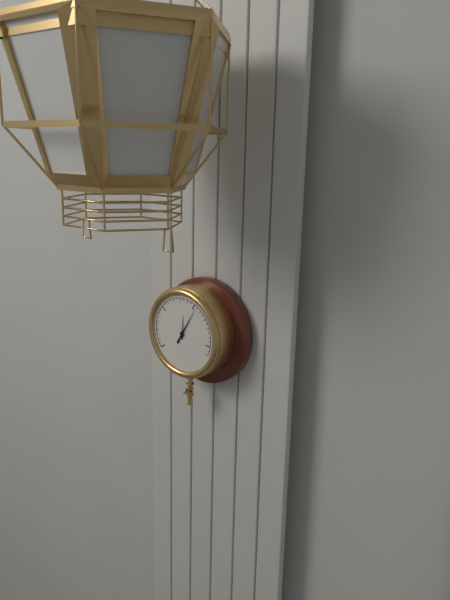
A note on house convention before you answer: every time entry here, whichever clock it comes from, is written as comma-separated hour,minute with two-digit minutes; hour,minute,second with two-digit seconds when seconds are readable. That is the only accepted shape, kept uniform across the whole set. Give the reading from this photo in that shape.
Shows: 12,05
